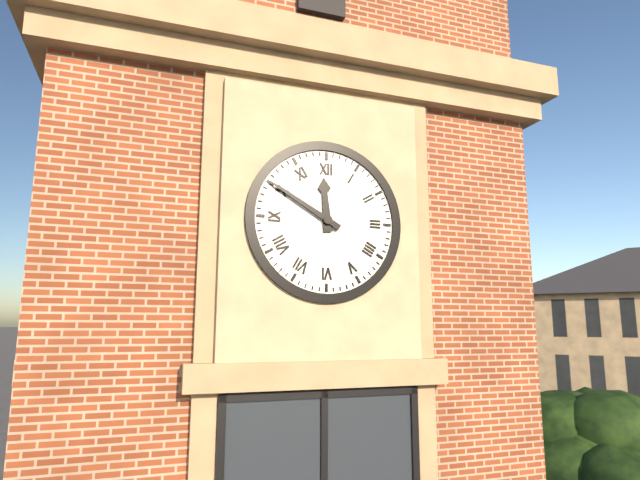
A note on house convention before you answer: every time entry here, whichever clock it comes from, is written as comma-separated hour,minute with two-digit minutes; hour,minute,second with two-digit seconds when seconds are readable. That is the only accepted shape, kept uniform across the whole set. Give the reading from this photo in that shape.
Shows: 11,50
